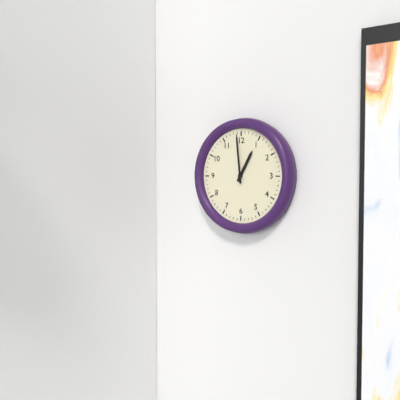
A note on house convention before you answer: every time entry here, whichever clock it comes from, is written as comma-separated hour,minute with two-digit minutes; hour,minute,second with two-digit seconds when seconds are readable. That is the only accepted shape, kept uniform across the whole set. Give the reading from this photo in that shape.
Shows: 12,59
